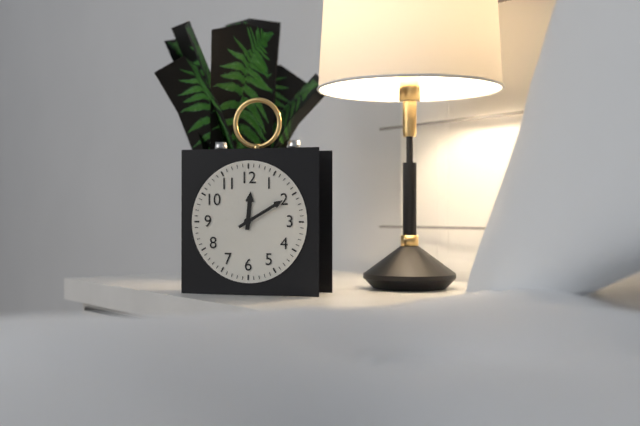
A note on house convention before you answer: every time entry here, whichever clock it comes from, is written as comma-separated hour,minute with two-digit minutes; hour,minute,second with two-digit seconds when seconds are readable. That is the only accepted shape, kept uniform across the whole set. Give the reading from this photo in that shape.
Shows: 12,10
